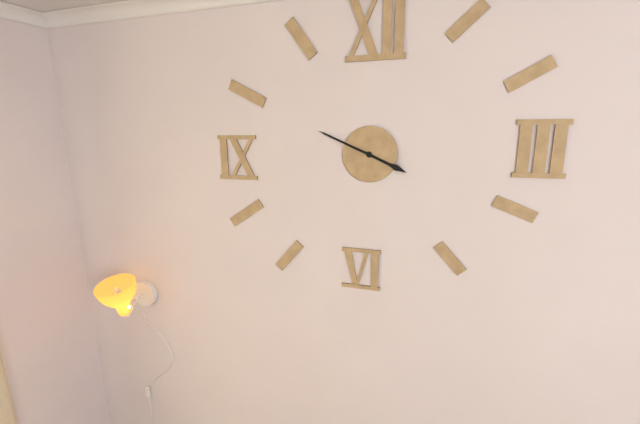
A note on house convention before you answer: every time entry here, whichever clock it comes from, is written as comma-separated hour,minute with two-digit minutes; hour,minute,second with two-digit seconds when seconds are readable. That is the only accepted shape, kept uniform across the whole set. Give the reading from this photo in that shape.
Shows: 3,49
